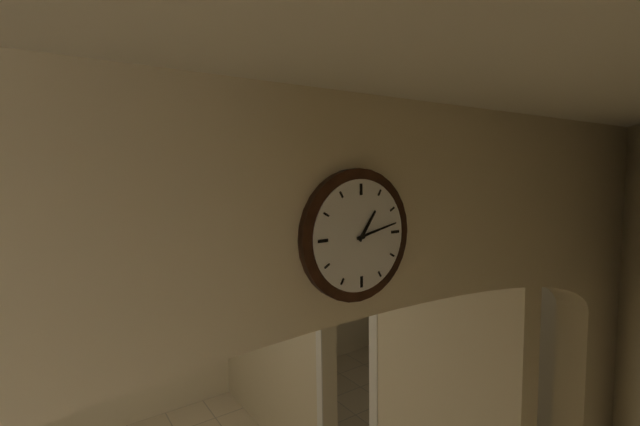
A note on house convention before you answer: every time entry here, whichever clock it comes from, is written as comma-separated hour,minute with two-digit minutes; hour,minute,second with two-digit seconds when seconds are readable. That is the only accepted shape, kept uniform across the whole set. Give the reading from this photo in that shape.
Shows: 1,13
